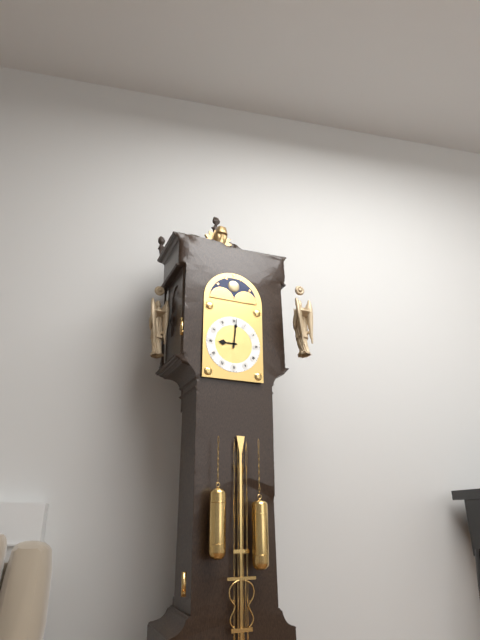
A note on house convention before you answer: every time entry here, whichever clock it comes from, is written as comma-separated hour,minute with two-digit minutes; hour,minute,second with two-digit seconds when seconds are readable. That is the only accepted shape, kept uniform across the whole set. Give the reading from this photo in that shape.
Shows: 9,01
